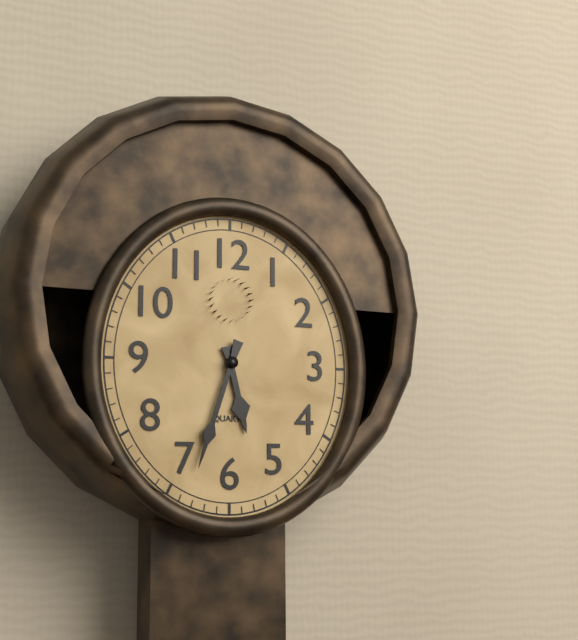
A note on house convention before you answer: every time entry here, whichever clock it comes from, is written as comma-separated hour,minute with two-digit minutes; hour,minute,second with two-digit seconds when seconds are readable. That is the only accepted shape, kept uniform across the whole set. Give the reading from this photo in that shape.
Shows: 5,33
